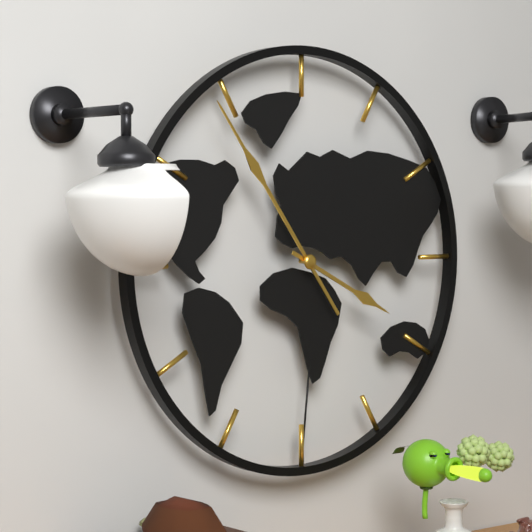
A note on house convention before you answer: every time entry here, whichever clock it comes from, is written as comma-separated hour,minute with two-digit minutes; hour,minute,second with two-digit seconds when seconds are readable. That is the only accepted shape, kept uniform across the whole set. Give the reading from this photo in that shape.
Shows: 3,54
